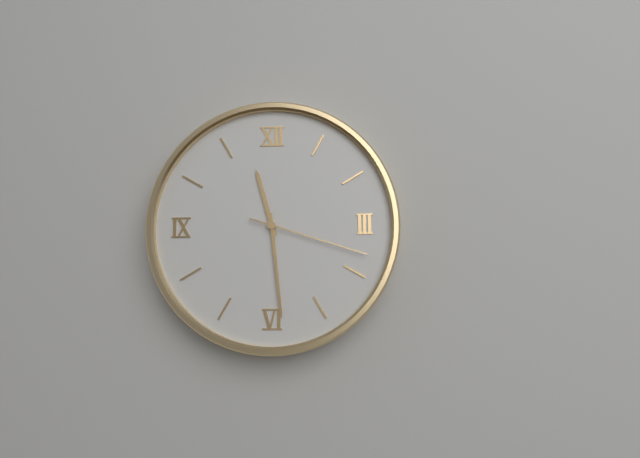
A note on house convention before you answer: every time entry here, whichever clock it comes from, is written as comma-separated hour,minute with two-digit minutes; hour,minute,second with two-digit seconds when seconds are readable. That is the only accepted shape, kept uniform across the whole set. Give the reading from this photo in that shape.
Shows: 11,29,18
